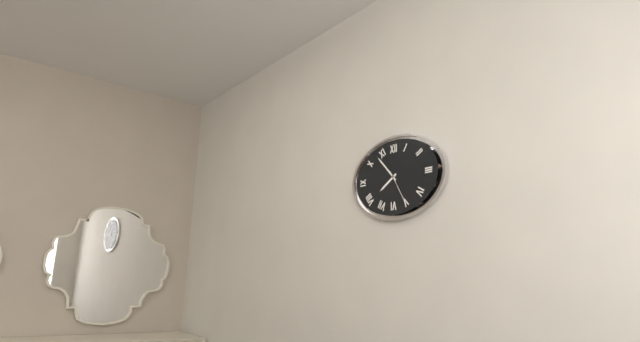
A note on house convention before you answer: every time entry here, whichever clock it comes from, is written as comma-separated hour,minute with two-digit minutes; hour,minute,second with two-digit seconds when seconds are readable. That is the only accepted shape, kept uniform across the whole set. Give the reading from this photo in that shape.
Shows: 7,53
